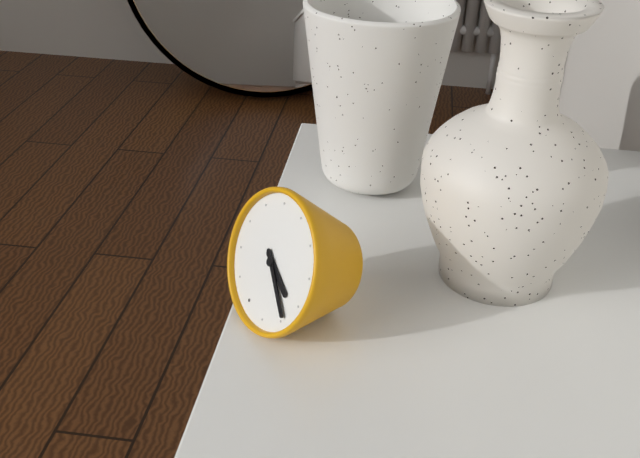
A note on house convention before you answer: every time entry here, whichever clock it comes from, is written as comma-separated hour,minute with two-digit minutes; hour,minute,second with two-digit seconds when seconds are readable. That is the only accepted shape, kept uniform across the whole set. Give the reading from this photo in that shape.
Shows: 3,19
